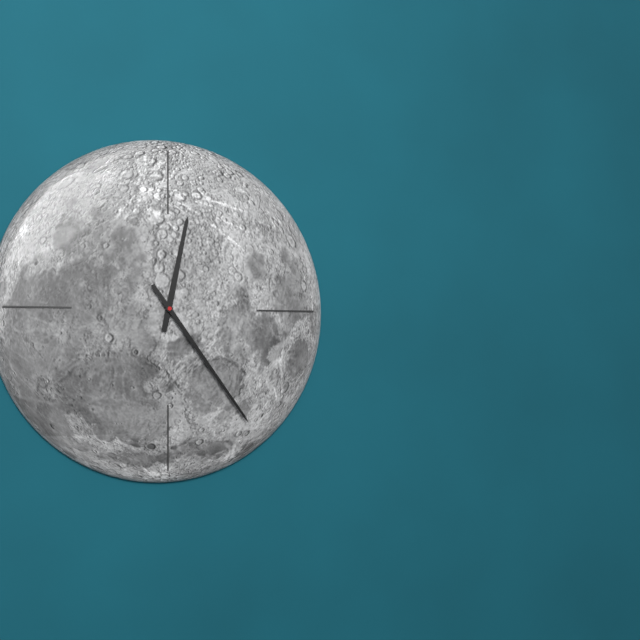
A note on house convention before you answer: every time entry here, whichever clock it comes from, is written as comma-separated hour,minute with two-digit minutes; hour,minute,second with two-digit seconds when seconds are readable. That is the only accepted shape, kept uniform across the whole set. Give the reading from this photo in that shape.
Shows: 12,24
